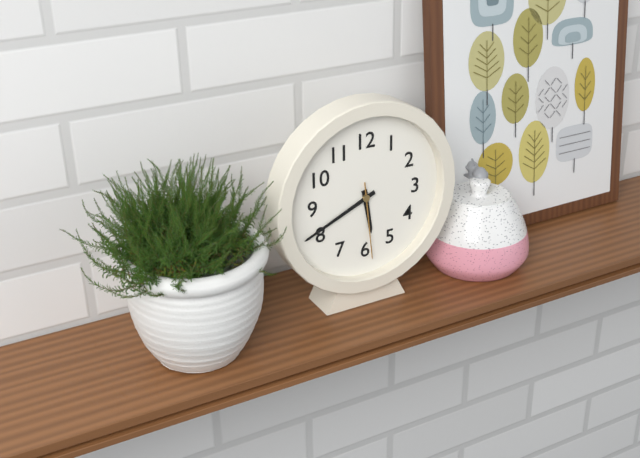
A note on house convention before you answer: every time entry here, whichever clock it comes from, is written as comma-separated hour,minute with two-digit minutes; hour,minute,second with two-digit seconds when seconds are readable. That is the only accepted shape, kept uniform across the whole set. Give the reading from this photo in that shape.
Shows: 5,41,29
